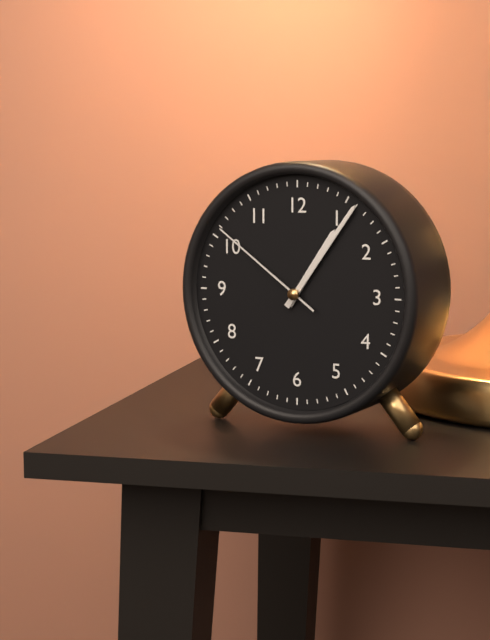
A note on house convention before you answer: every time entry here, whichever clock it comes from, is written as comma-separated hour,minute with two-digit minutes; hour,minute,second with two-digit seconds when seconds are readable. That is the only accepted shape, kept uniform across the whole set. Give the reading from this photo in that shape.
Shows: 1,06,51
